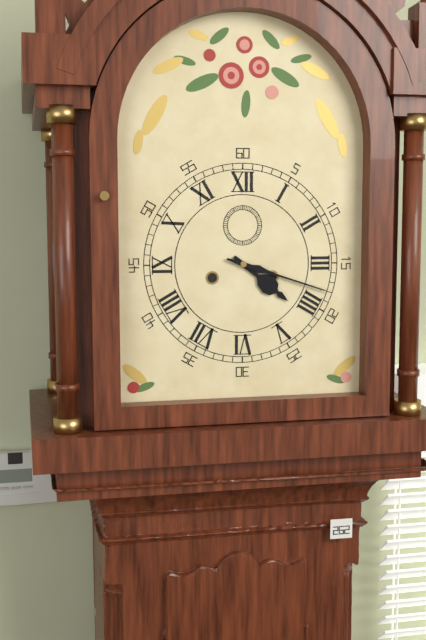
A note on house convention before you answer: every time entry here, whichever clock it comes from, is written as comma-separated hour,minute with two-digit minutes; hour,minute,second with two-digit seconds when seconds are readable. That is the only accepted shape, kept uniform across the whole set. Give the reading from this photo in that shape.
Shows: 4,18
